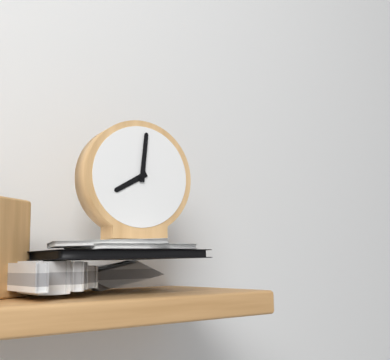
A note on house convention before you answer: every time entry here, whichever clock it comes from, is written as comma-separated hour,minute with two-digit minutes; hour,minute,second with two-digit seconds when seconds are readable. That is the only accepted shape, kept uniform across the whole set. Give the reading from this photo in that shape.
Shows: 8,01
